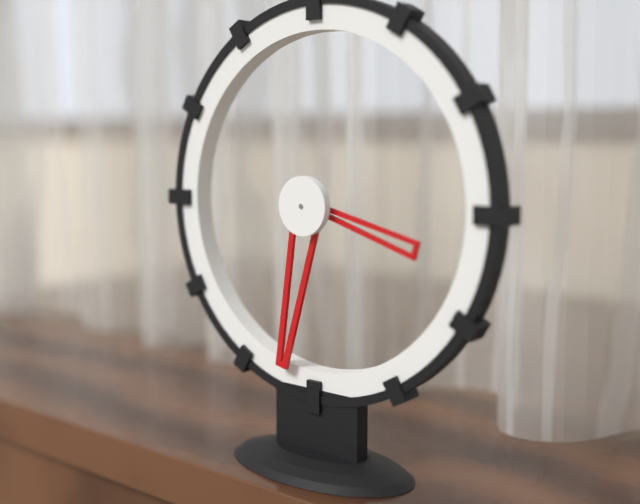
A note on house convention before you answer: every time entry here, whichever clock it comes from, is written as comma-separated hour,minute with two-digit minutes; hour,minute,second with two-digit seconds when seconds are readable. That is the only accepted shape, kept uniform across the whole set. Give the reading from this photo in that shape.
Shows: 3,32
